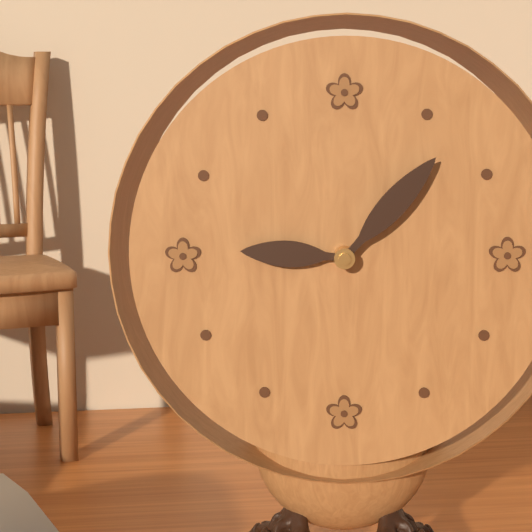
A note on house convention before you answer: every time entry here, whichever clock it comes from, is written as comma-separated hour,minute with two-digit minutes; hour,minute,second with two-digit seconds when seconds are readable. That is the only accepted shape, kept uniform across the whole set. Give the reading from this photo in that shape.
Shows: 9,07
